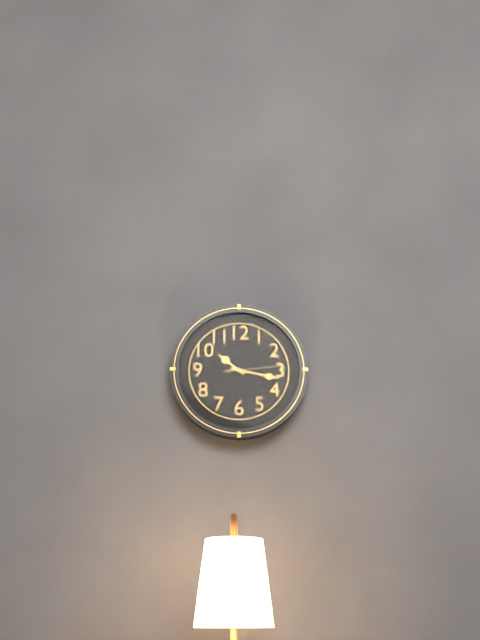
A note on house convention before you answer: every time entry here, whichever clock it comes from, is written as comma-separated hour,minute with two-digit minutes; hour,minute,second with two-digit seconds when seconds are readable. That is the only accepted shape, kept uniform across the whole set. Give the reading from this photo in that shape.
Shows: 10,17,14
